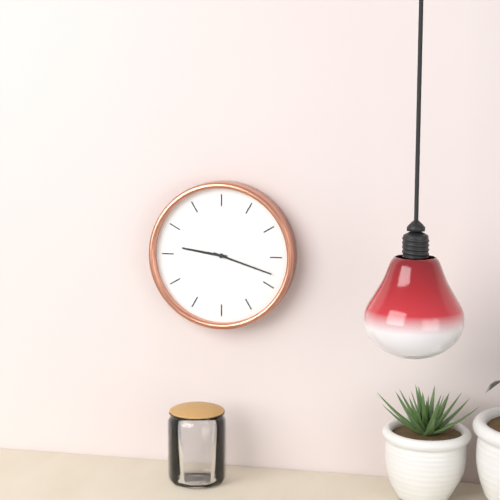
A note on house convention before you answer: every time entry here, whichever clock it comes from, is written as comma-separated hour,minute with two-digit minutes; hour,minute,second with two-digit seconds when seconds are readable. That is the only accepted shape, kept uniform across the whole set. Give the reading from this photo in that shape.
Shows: 9,18
